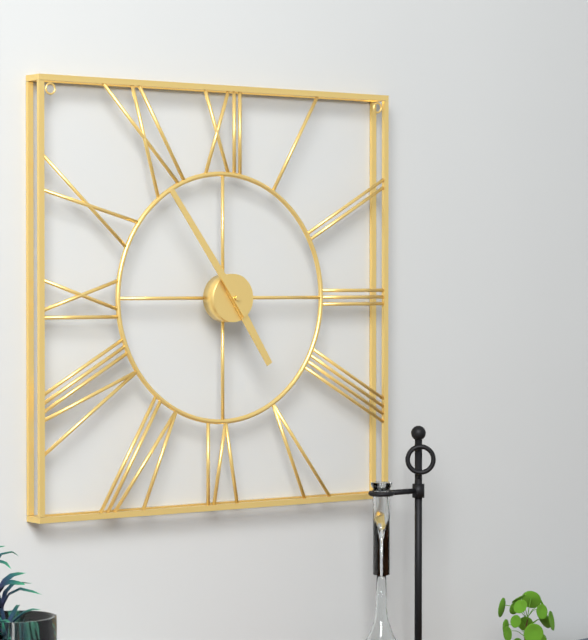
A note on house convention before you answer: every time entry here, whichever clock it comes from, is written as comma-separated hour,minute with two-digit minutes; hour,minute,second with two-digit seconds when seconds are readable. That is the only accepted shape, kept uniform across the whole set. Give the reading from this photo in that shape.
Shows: 4,54
